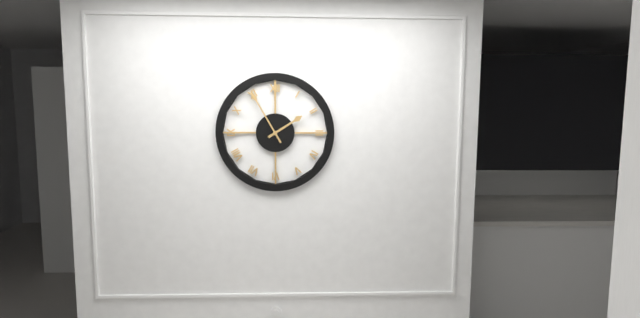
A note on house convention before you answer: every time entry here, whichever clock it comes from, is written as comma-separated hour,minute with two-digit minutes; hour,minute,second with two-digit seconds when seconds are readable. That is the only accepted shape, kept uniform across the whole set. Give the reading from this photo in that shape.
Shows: 1,55
